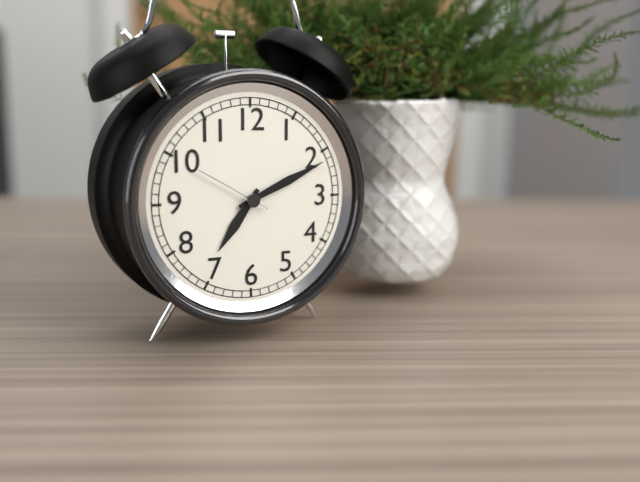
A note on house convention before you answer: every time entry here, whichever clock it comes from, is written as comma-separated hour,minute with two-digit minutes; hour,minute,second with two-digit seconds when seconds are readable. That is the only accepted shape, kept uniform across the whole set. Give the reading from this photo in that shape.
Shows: 7,11,50
